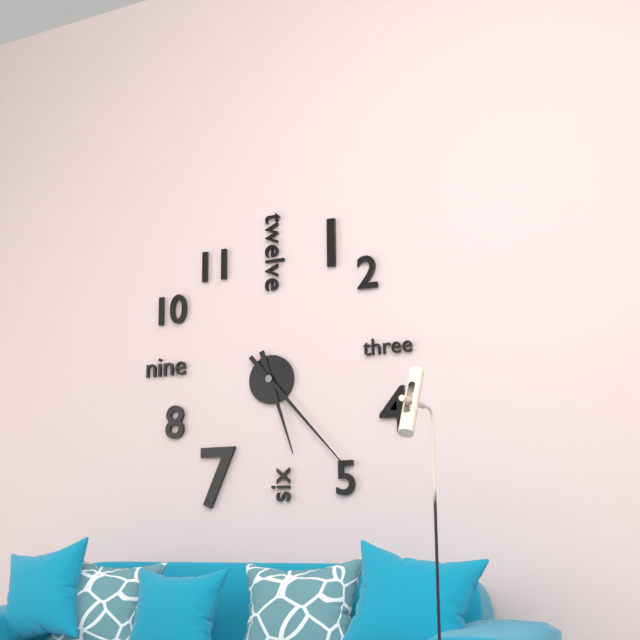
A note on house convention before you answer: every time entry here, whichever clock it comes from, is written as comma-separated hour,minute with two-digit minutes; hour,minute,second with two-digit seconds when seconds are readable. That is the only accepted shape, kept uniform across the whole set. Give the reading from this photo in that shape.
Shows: 5,23
